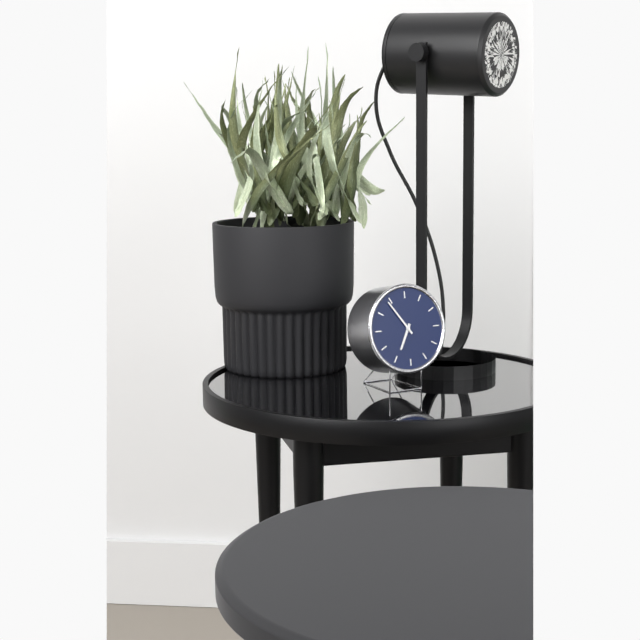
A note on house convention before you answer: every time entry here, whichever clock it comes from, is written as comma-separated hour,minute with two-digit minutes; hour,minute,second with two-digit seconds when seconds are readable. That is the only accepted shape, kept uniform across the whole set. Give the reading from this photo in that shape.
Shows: 6,54
